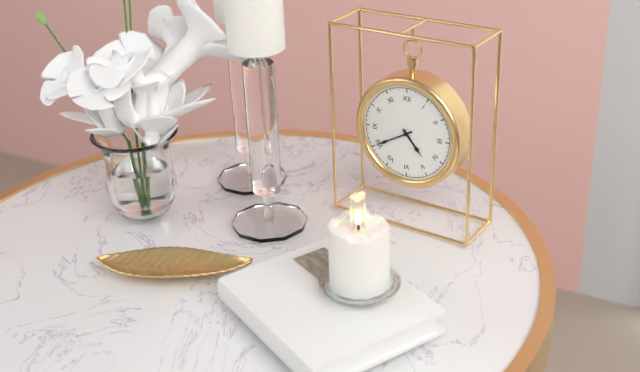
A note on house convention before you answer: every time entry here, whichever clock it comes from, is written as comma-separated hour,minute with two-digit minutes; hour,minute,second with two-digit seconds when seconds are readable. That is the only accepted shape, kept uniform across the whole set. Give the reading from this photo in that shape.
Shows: 4,40
